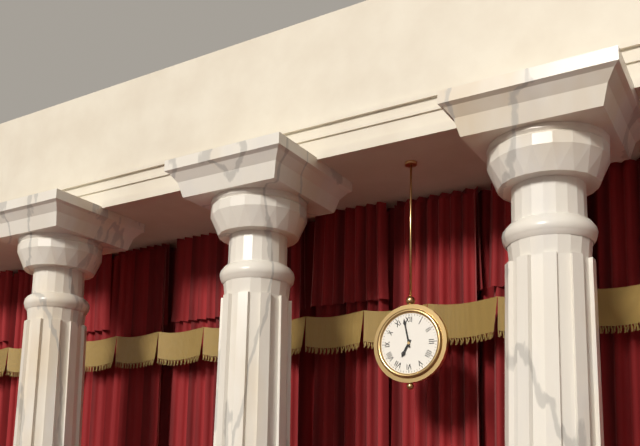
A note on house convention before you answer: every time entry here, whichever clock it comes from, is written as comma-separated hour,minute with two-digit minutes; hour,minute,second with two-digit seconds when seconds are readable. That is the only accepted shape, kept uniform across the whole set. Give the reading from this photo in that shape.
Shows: 6,58
